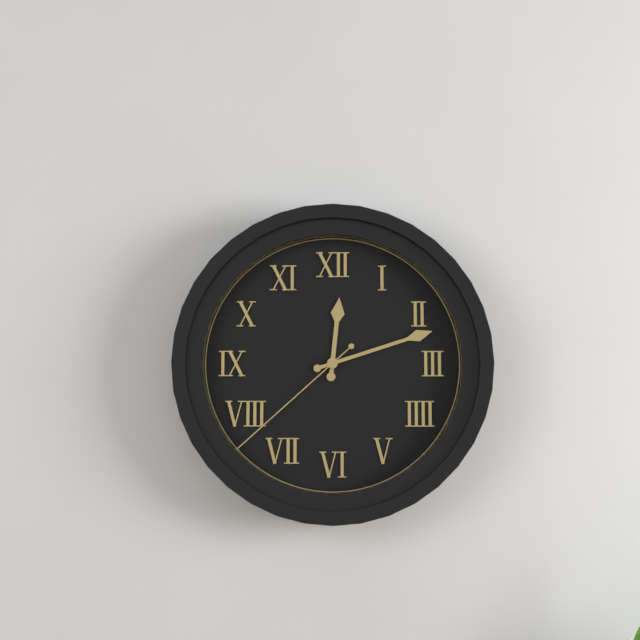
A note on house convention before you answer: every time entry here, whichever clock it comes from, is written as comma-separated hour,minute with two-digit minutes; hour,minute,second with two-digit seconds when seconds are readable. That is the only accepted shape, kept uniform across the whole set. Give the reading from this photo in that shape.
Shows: 12,12,38
